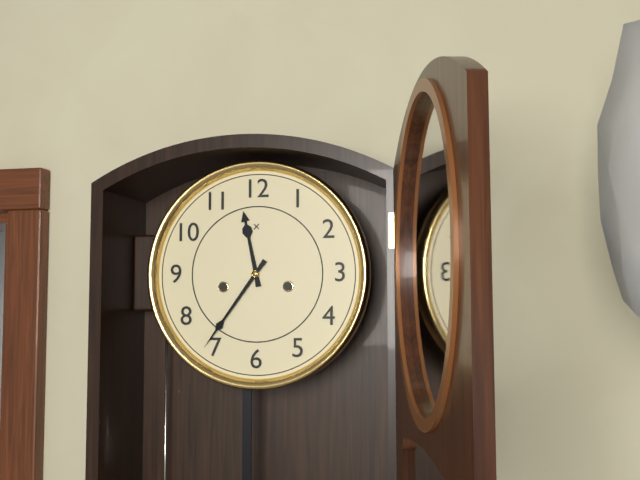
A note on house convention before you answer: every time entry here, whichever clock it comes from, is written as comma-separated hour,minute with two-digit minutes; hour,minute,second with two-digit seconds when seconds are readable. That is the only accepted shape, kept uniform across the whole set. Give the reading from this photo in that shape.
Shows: 11,36
